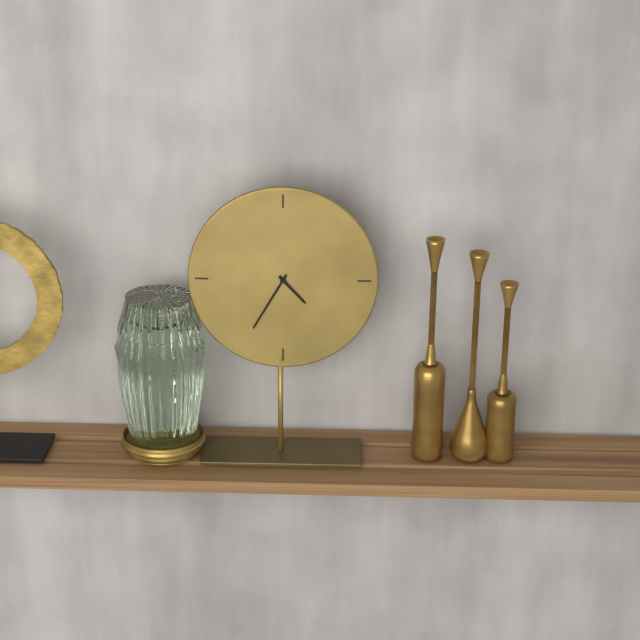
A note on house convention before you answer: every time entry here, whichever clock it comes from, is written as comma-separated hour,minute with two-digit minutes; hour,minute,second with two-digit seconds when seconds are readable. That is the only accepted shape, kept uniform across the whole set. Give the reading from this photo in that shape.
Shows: 4,35
